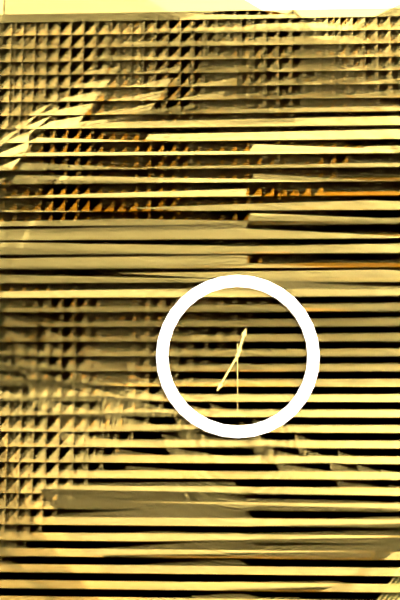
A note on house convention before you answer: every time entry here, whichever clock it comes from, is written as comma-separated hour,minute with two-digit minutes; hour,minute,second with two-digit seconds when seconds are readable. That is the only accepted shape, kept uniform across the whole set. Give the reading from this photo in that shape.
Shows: 12,35,30
